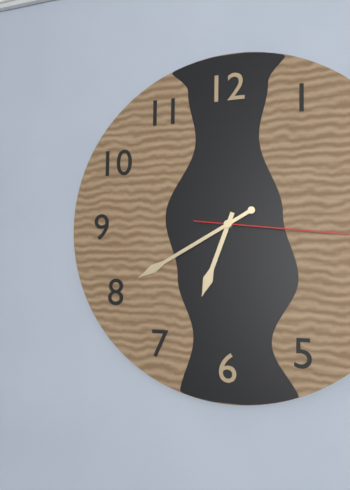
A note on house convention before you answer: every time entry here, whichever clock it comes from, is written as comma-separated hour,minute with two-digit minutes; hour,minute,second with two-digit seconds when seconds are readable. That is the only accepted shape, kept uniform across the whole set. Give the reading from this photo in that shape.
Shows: 6,40
